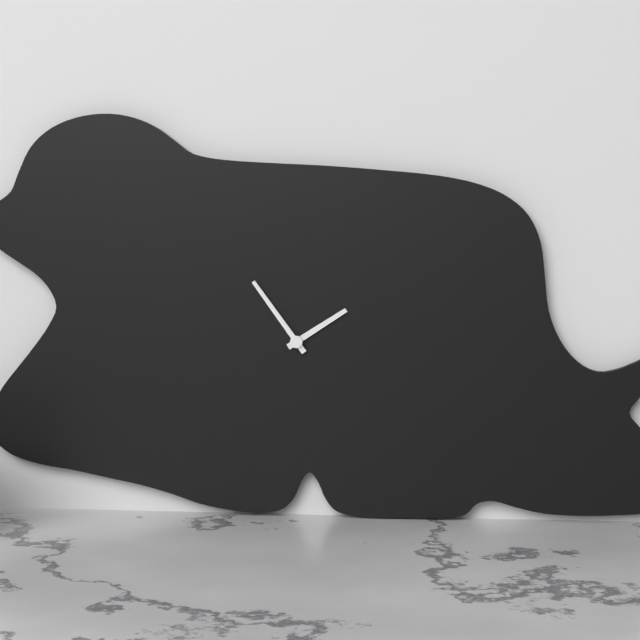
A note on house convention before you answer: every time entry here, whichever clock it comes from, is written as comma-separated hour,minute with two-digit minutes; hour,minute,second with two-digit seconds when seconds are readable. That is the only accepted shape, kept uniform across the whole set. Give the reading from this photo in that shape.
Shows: 1,54
